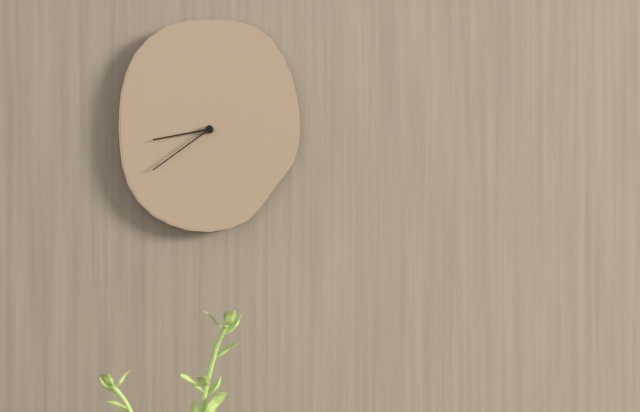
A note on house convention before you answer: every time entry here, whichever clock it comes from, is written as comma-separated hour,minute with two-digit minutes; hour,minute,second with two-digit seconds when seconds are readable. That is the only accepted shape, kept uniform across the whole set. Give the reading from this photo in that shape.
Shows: 8,39
